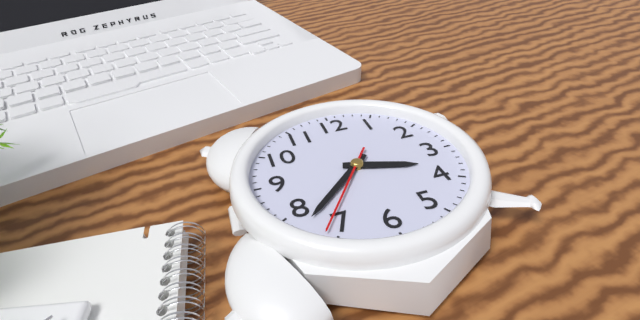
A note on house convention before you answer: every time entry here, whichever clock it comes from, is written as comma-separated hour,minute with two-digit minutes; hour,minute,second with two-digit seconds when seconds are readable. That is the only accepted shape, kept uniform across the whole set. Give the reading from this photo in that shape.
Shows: 3,38,36
